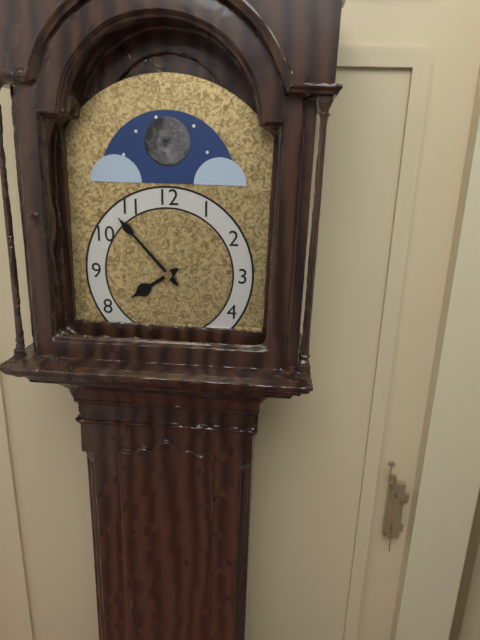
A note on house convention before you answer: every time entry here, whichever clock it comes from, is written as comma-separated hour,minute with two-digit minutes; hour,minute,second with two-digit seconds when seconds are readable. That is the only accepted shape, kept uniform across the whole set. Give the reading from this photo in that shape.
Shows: 7,53
